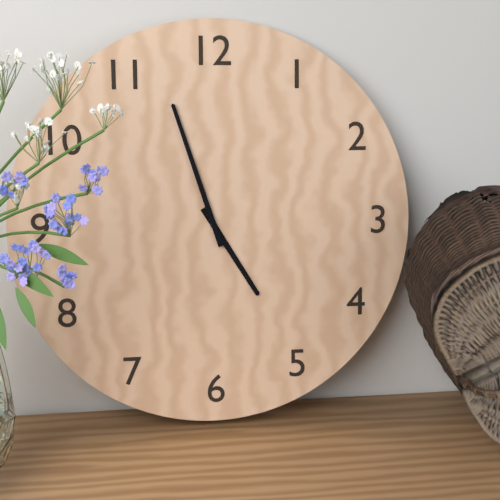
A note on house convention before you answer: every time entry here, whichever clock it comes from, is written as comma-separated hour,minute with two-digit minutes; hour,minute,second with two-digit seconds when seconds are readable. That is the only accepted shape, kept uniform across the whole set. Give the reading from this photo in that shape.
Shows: 4,57
